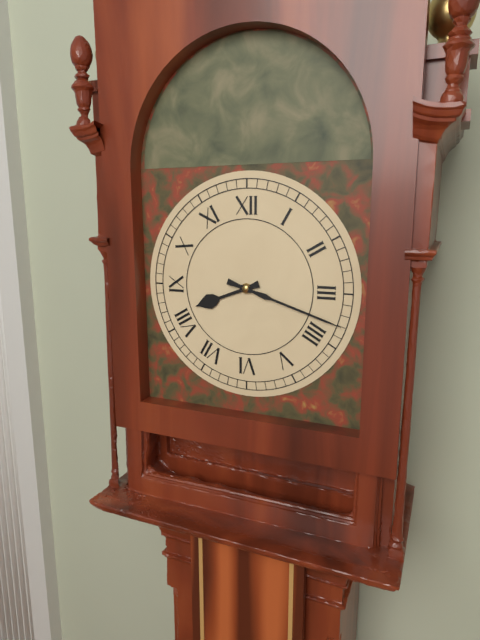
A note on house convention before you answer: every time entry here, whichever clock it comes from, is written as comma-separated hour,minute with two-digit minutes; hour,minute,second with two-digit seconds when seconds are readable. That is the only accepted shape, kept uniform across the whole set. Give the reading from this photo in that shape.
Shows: 8,18
